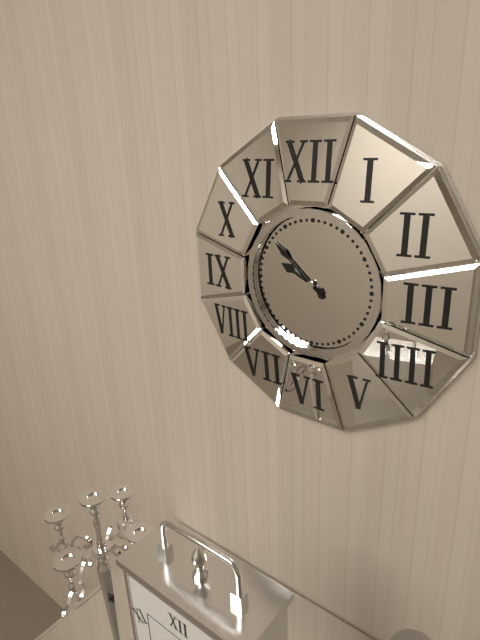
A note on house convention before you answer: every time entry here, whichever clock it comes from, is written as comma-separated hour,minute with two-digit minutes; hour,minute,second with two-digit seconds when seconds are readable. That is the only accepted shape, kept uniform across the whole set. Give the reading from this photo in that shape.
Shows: 9,52
